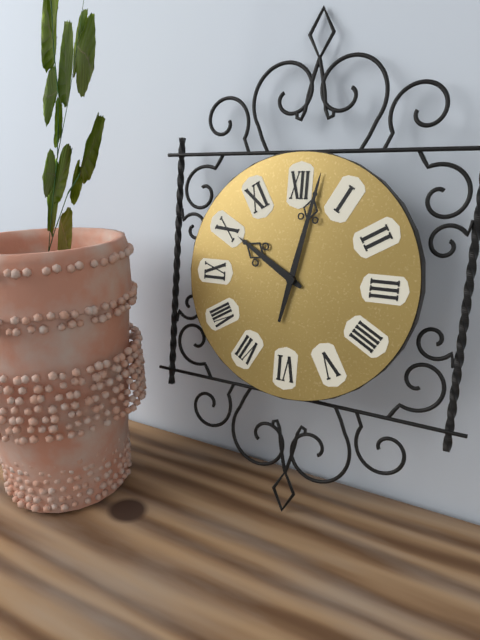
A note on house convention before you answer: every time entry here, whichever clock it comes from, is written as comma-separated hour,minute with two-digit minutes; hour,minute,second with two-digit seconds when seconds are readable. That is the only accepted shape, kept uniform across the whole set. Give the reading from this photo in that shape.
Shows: 10,02
